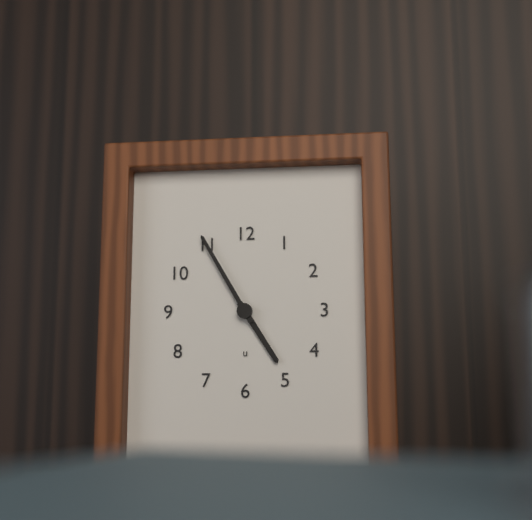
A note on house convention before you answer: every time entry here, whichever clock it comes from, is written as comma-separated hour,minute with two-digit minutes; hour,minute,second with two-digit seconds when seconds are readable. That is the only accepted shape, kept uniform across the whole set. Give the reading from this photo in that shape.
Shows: 4,55
